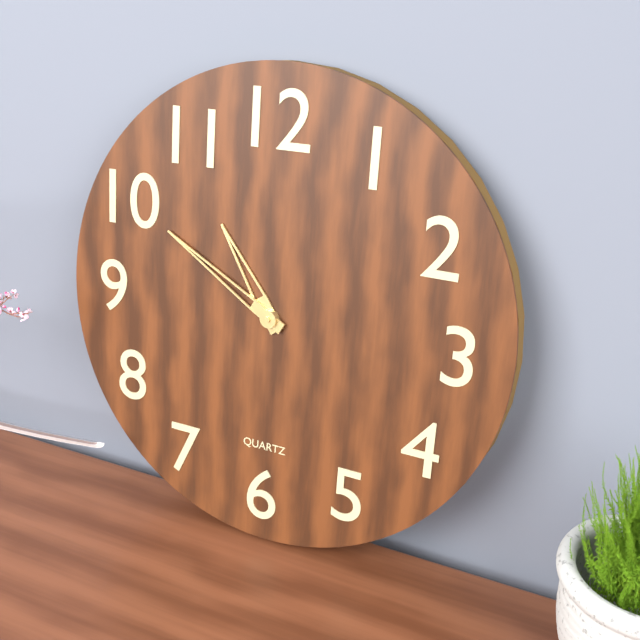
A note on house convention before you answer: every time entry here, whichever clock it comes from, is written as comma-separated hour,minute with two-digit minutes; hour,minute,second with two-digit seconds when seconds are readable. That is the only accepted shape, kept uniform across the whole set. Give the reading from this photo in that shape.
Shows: 10,50
